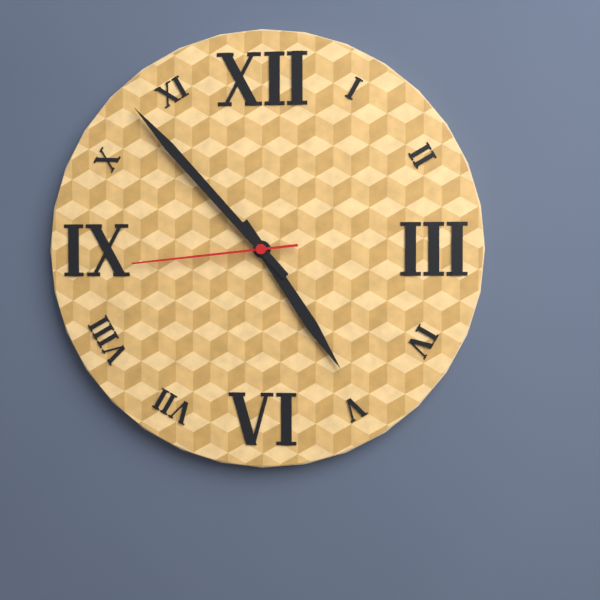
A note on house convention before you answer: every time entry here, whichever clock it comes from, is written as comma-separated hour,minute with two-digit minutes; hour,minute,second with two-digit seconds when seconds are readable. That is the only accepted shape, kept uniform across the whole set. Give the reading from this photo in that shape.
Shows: 4,53,44
